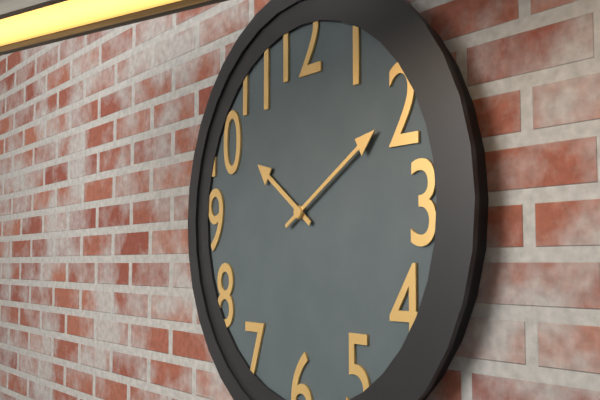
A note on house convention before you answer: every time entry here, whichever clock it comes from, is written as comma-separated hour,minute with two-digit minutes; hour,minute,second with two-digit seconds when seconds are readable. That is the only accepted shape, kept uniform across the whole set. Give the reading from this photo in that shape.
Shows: 10,10
